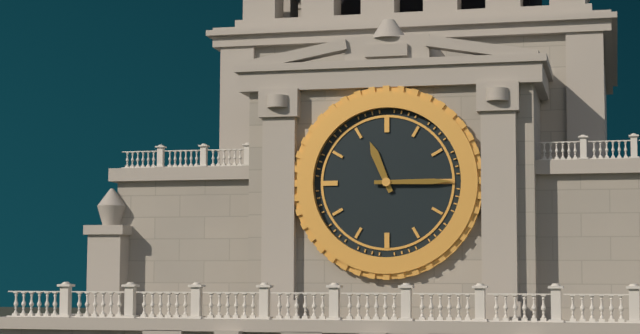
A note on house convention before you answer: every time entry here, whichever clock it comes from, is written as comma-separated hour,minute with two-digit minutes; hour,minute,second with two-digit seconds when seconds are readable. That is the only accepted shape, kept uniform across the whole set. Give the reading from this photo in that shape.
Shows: 11,15
